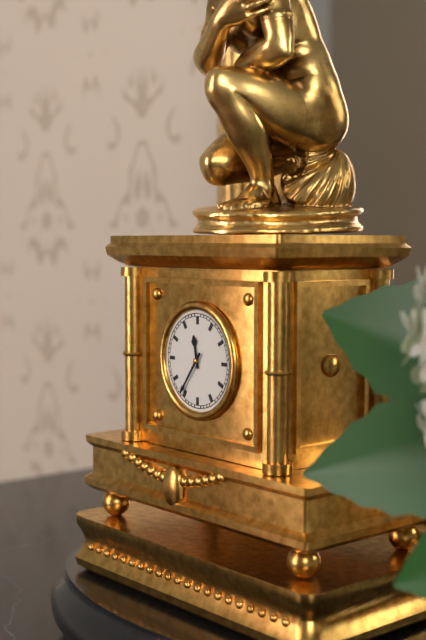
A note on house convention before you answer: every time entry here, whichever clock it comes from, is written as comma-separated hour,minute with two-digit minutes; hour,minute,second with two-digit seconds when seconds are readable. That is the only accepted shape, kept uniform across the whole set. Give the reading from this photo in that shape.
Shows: 11,36
